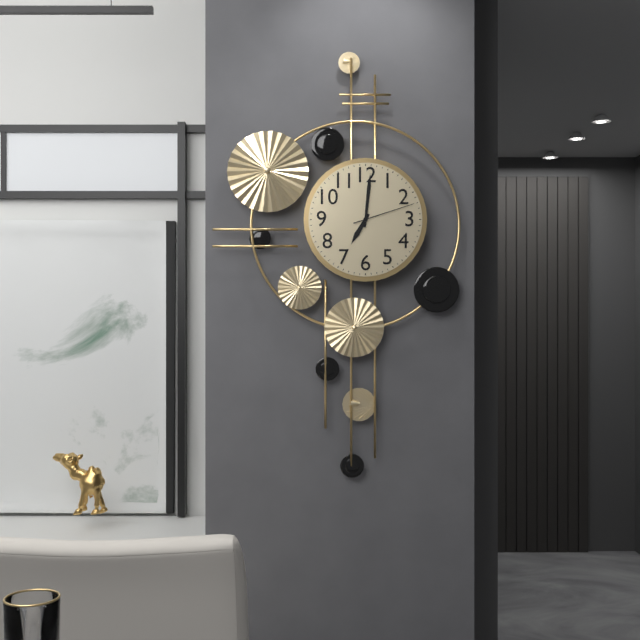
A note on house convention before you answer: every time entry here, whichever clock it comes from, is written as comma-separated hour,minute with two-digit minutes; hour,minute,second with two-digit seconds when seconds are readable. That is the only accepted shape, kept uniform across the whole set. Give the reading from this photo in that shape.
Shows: 7,01,12
